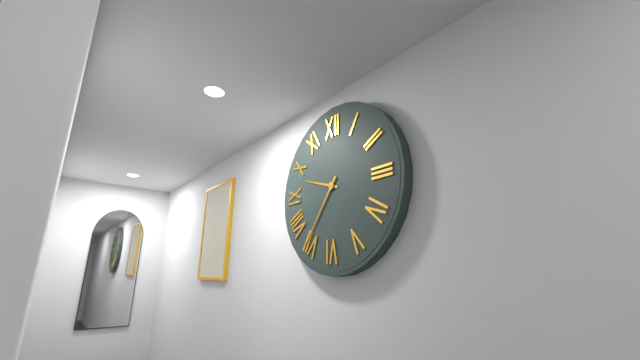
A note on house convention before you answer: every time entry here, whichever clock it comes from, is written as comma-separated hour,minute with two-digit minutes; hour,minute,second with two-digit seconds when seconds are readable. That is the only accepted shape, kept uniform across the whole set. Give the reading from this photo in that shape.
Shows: 9,36
